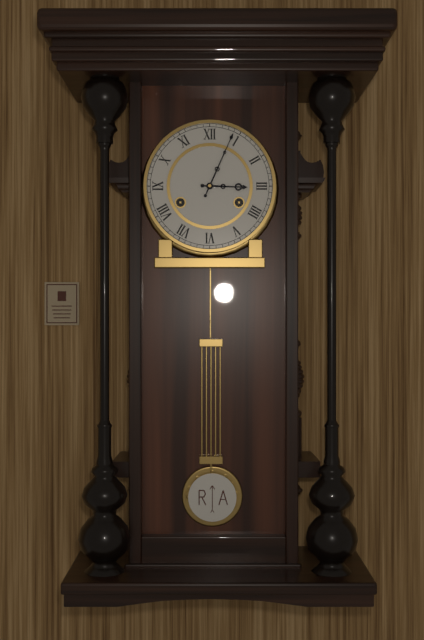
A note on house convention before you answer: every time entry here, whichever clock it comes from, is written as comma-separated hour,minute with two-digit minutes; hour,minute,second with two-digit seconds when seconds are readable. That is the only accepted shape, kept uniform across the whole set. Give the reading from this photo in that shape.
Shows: 3,04
